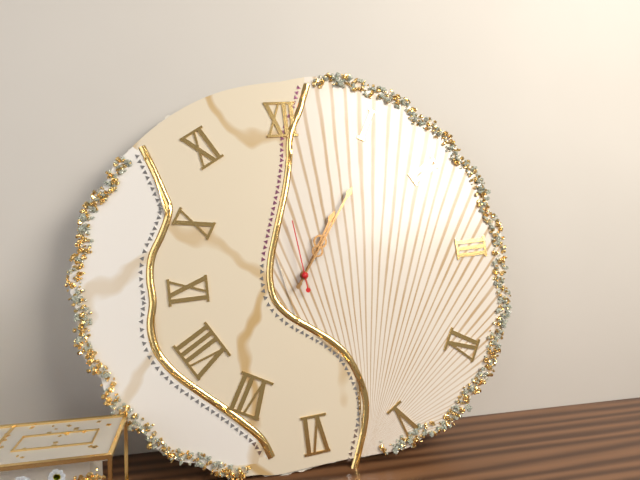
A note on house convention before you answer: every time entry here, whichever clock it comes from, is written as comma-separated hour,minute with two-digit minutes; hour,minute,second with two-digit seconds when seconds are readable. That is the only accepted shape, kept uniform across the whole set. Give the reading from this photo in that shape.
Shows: 1,06,59
